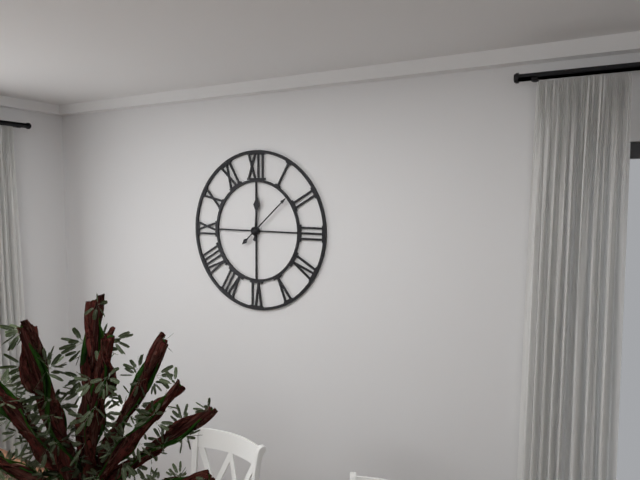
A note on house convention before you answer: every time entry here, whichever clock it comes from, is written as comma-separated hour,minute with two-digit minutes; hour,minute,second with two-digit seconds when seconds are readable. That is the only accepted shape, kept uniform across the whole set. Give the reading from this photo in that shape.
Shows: 12,08
